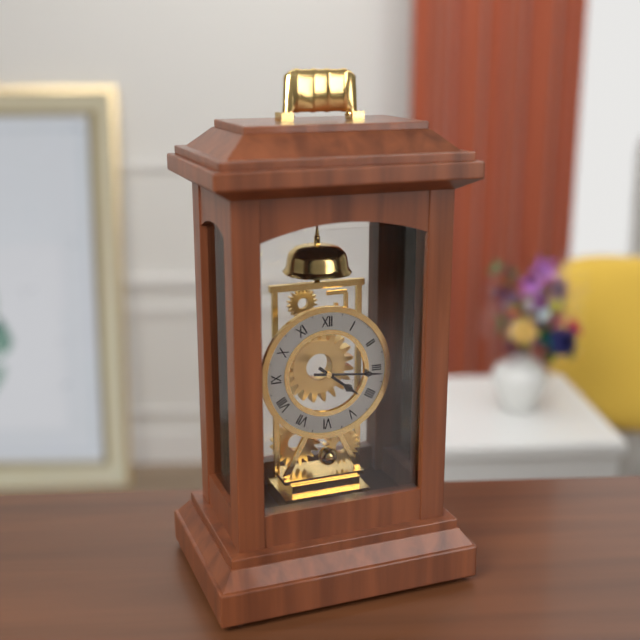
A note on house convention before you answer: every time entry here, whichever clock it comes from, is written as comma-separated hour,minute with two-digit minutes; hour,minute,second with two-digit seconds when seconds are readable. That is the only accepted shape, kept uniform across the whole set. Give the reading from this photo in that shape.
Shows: 4,16
